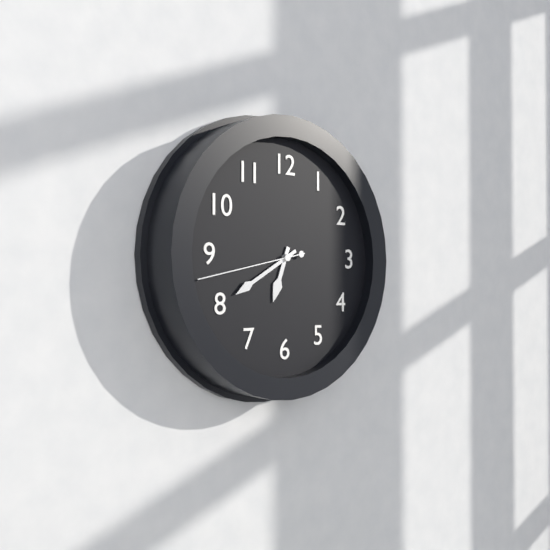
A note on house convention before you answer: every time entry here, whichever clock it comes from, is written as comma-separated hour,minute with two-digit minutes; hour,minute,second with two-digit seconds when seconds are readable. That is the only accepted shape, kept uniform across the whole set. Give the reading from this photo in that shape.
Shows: 6,40,43
